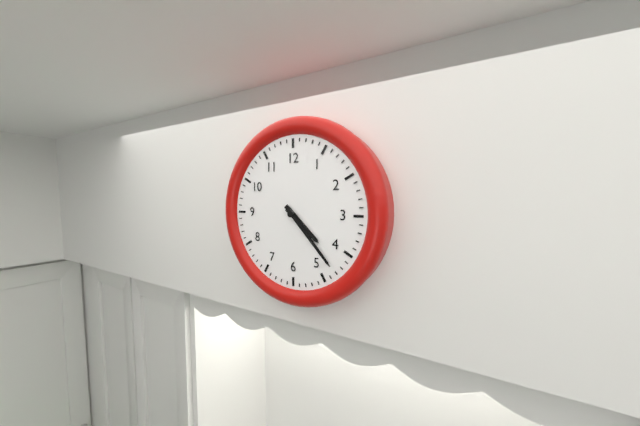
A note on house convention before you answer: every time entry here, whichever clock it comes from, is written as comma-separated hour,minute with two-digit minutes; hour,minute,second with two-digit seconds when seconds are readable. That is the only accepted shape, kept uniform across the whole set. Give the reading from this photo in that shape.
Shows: 4,23
